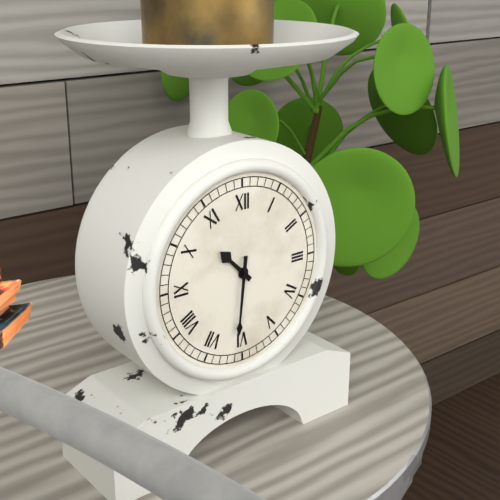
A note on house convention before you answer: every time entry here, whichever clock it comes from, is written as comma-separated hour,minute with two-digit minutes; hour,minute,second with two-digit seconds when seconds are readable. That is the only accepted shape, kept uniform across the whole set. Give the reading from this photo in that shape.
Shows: 10,31
